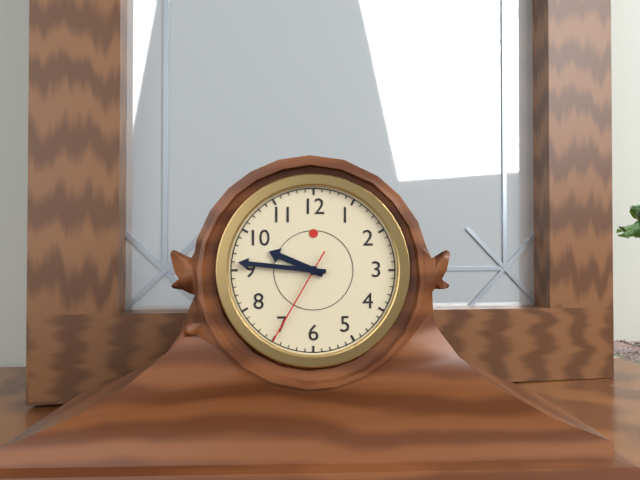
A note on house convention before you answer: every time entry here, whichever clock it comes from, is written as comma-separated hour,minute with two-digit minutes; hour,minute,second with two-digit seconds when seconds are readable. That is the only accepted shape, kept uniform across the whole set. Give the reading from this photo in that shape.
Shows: 9,46,35
